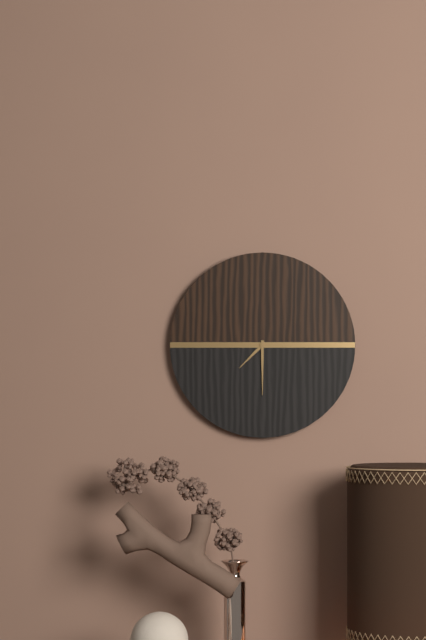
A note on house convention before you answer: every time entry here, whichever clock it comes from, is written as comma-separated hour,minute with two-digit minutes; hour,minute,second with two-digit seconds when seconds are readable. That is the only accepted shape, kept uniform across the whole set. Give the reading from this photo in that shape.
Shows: 7,30
